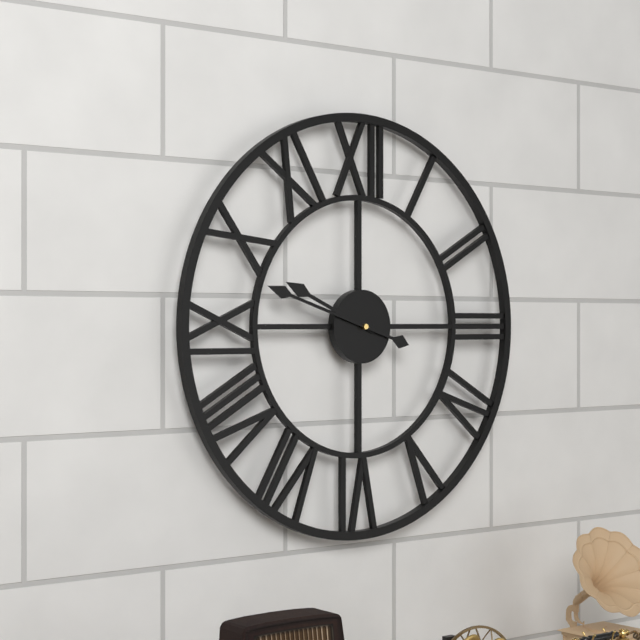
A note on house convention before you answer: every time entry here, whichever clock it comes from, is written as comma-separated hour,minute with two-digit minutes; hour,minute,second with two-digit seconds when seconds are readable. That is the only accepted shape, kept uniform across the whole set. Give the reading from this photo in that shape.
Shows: 9,48
